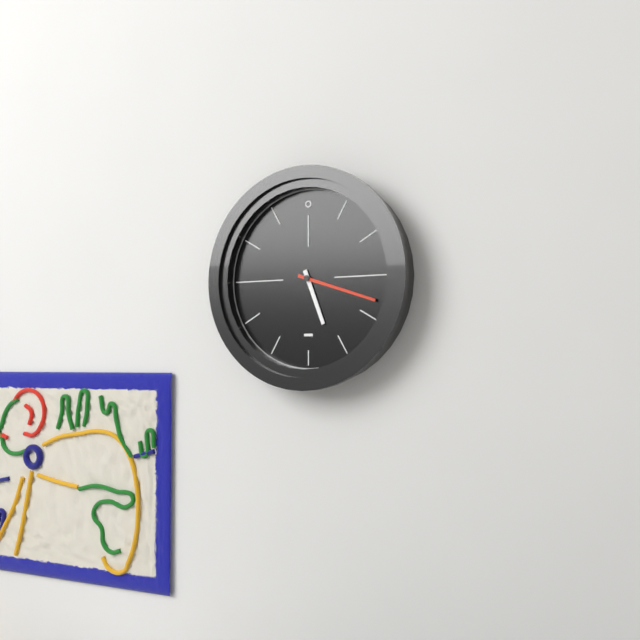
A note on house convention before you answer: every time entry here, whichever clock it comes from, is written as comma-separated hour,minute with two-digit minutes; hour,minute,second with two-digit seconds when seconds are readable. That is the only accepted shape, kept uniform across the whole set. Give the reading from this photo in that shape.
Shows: 5,18
